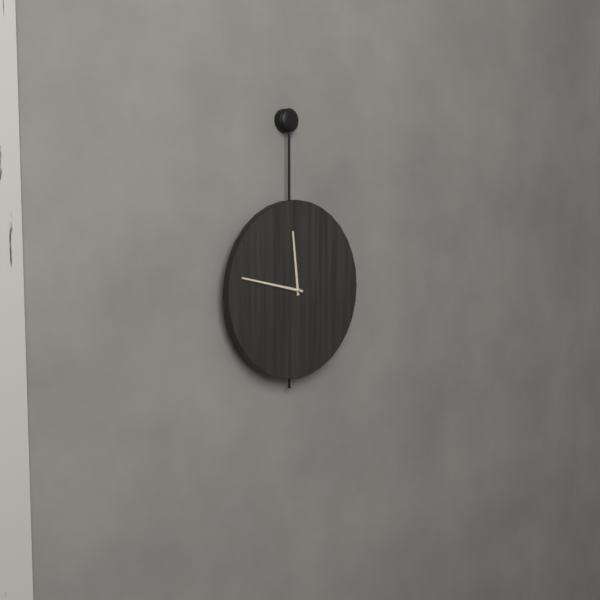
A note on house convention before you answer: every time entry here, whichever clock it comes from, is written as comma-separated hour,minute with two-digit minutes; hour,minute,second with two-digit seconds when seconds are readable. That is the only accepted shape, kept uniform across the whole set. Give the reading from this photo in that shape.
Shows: 11,47
